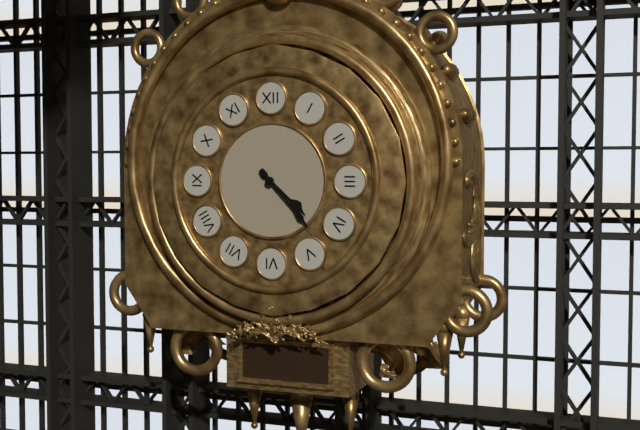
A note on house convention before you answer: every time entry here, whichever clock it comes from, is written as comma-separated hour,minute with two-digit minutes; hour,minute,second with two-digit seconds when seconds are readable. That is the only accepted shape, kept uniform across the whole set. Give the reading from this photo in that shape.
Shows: 4,23
